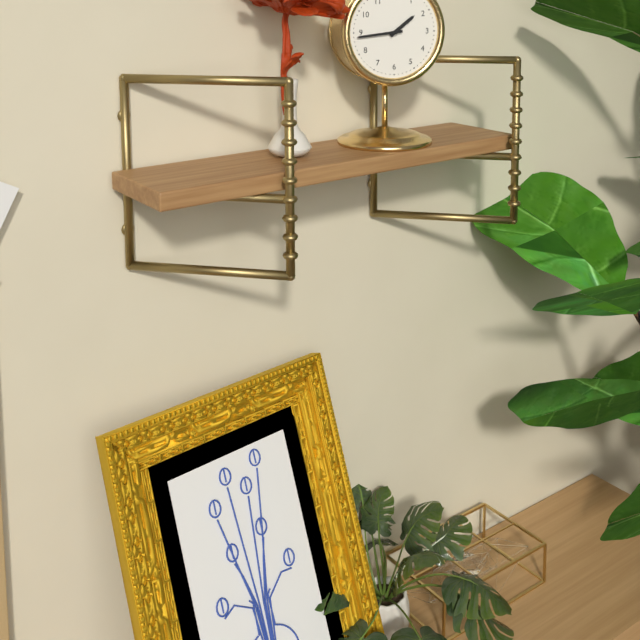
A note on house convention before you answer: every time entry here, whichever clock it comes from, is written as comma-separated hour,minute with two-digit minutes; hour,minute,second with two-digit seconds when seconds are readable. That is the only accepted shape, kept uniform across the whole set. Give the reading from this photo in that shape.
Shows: 1,44
